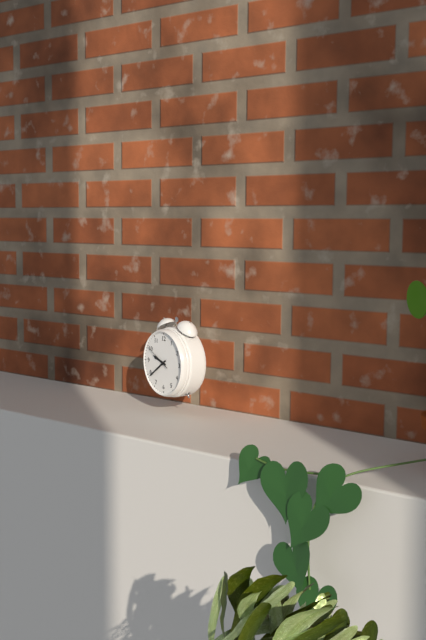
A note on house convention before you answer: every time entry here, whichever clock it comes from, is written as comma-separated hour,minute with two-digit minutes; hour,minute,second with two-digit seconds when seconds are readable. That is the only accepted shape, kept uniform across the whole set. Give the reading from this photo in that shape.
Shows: 9,39
